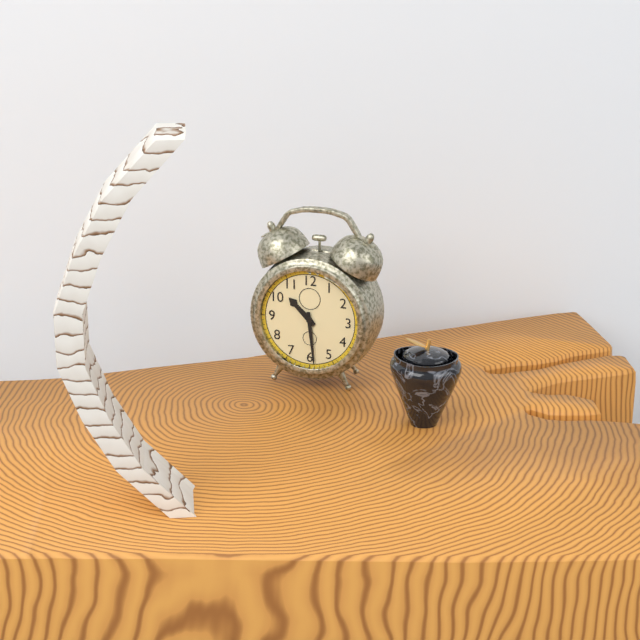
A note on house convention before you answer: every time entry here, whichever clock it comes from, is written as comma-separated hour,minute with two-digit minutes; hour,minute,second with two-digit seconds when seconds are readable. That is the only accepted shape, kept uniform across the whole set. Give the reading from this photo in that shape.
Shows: 10,29
